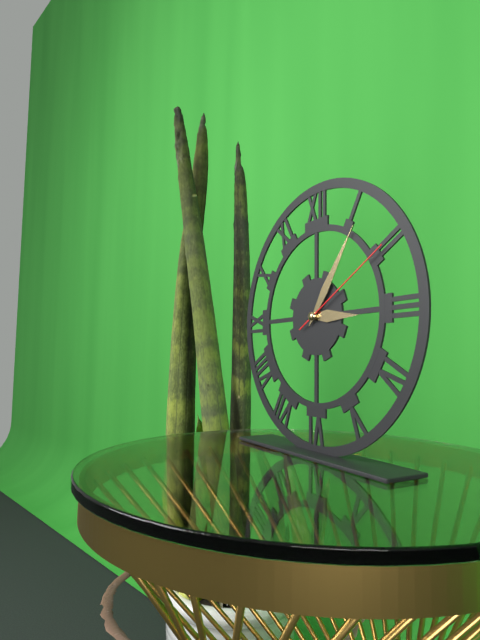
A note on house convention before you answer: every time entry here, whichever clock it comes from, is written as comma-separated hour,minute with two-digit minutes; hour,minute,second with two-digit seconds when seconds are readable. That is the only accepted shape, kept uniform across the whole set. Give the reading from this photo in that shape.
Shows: 3,06,10
